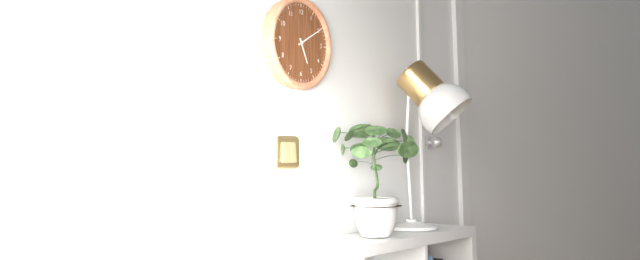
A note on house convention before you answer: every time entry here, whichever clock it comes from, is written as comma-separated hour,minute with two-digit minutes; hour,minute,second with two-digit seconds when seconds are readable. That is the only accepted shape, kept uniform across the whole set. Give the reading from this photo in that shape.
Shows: 5,10
